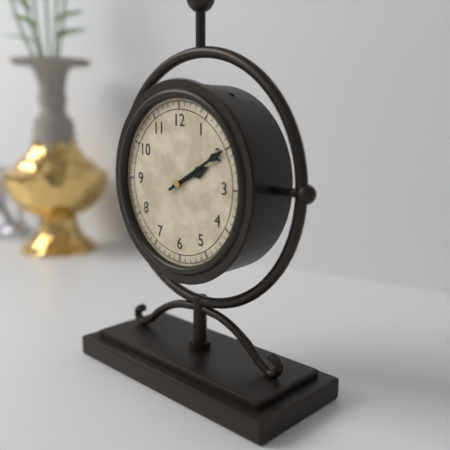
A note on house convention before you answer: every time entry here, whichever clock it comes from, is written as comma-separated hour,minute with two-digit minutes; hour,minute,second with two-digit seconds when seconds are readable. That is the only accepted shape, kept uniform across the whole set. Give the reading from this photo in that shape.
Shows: 2,10
